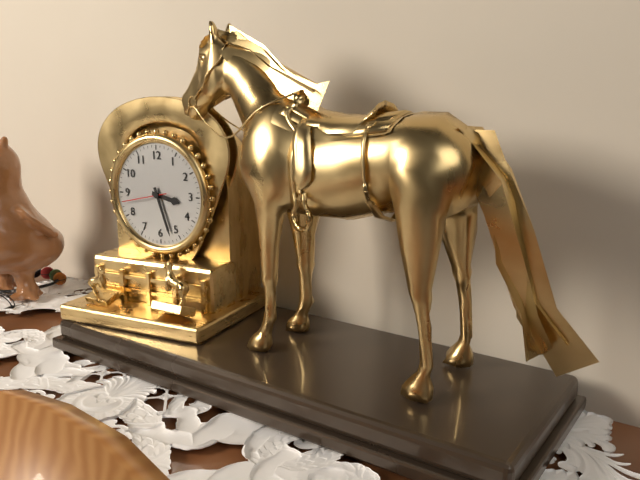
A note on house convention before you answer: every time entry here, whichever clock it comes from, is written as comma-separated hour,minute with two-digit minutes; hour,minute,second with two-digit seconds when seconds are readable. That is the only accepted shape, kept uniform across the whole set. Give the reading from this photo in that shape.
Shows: 3,27
